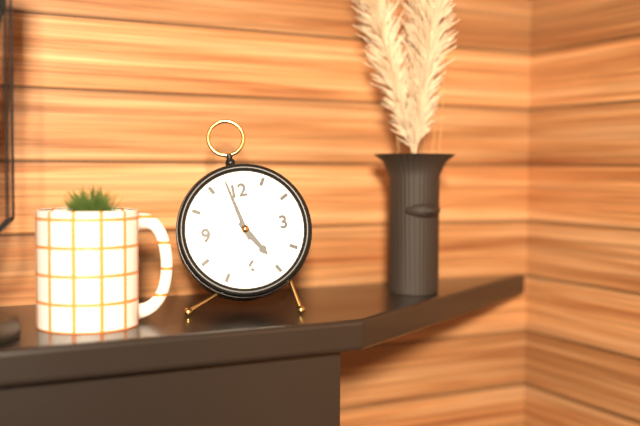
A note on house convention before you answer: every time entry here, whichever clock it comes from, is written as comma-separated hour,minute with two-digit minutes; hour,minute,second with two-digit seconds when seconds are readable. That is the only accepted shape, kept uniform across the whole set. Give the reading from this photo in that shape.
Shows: 4,58
